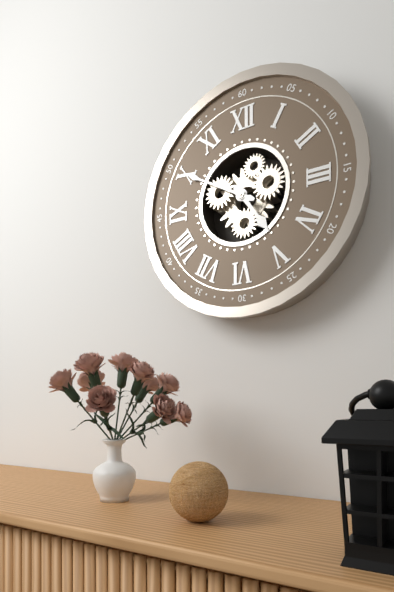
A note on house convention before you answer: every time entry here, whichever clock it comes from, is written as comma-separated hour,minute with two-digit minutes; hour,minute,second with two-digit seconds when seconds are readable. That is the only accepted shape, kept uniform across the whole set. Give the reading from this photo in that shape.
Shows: 4,50
